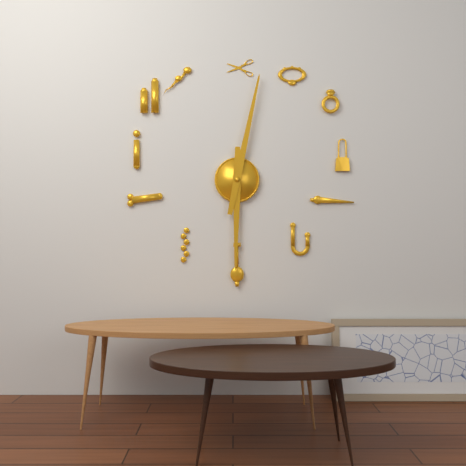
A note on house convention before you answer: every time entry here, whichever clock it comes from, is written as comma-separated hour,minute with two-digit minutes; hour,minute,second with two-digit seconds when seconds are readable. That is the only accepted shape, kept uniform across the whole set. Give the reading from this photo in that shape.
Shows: 6,02
